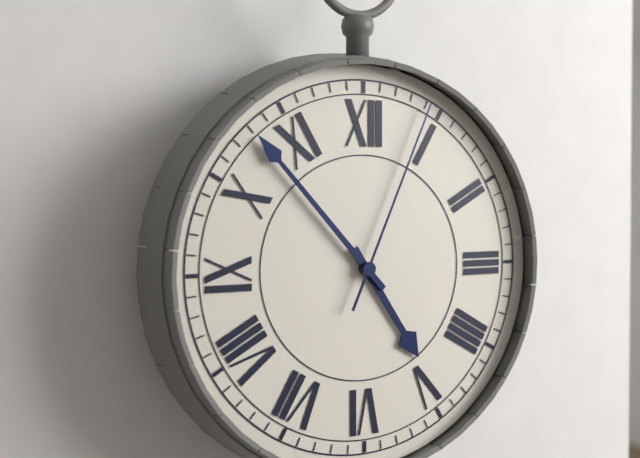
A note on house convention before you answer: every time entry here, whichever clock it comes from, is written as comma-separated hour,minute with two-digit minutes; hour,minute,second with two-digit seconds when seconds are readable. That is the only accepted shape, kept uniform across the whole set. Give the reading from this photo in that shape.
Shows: 4,53,04
